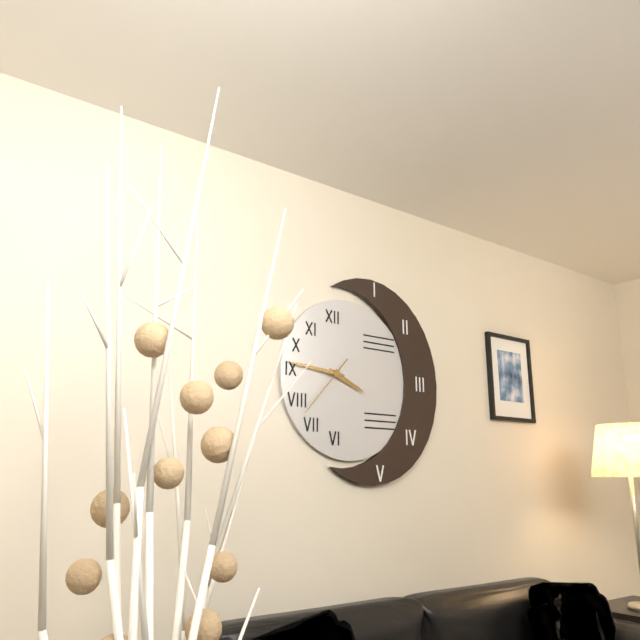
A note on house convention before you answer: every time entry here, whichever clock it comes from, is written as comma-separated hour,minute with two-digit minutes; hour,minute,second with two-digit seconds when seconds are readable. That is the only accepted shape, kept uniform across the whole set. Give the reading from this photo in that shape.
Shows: 3,46,37
